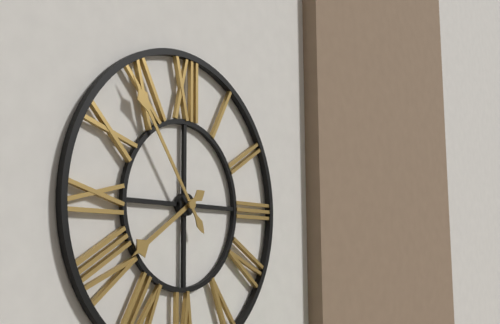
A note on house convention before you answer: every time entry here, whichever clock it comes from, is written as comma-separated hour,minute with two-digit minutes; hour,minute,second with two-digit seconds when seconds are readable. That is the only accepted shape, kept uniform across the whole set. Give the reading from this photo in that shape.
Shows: 7,54
